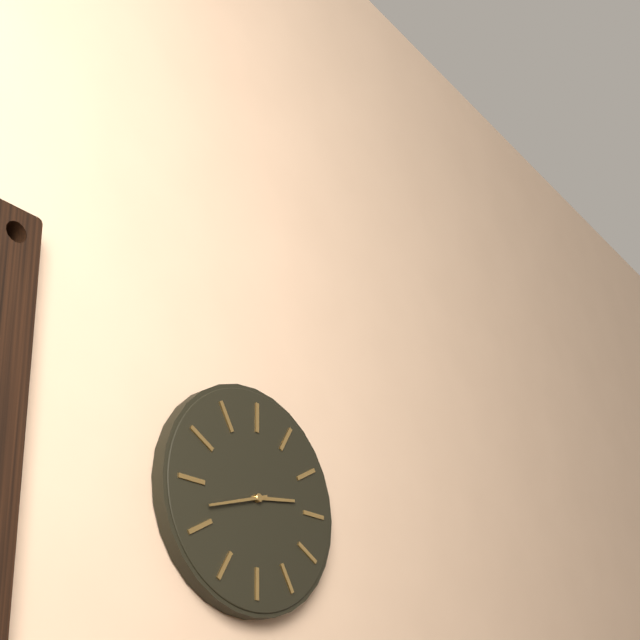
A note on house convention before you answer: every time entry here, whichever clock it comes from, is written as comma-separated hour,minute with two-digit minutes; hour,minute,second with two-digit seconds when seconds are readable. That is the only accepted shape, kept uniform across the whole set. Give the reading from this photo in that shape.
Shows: 2,42
